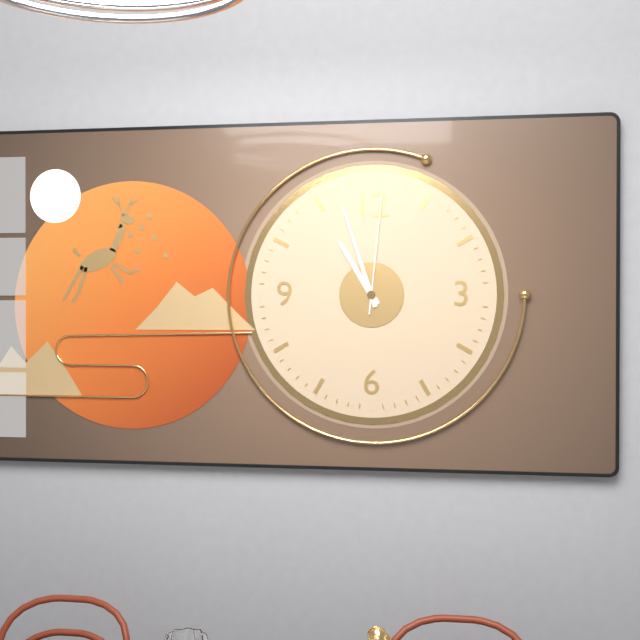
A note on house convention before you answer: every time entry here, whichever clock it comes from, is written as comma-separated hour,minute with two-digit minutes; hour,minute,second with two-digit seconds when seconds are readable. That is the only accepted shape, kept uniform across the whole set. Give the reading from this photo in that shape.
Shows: 10,57,01
